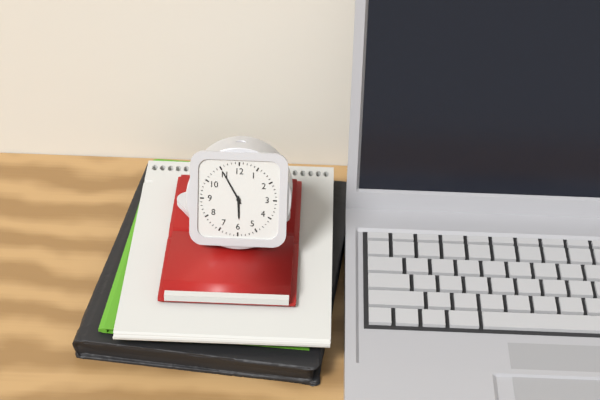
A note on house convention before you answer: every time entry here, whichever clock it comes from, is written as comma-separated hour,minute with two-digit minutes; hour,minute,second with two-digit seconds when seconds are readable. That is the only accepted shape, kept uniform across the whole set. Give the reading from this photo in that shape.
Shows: 5,55
